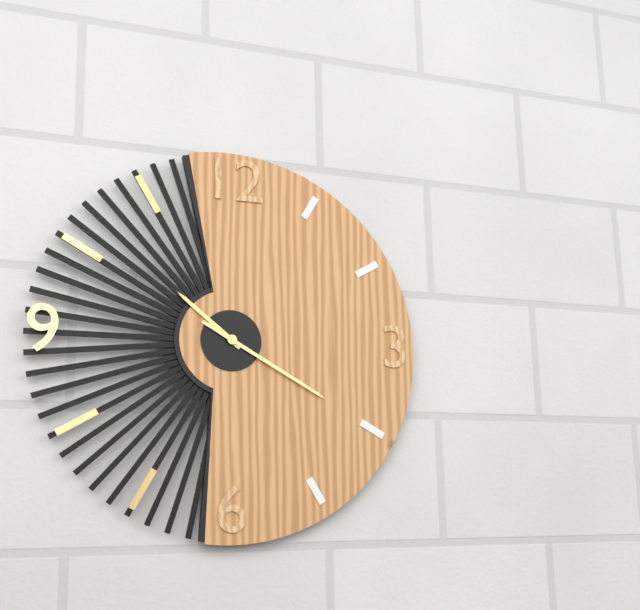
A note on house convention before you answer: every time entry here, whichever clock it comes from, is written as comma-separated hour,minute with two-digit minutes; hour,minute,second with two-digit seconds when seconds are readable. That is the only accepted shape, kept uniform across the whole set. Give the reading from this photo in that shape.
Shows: 10,20
